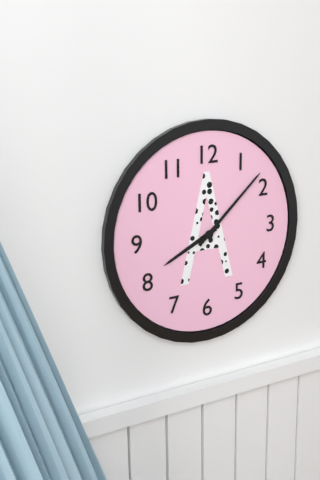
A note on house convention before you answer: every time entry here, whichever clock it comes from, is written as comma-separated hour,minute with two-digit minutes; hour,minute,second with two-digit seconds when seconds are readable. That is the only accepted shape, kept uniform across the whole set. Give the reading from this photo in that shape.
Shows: 8,08
